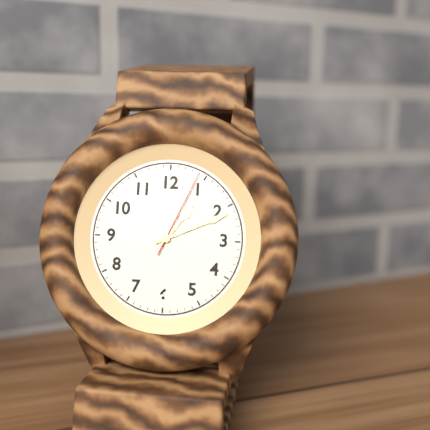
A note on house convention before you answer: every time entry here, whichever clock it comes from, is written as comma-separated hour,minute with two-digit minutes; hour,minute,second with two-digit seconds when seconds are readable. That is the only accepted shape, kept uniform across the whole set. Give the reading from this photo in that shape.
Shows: 1,11,04
